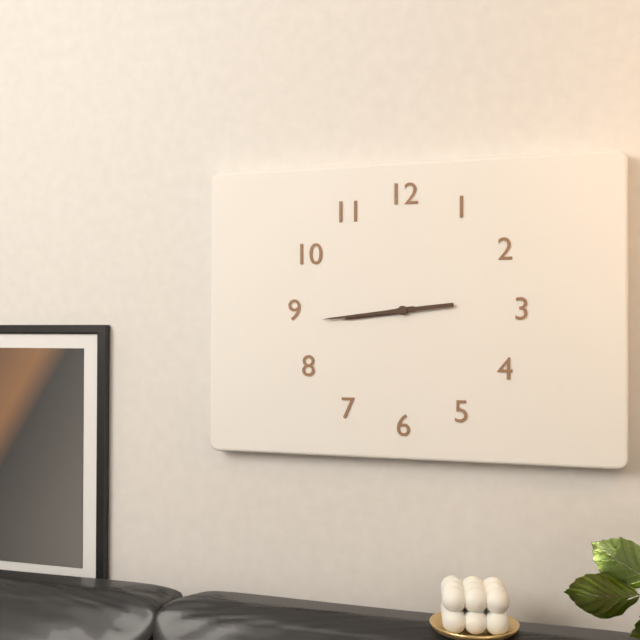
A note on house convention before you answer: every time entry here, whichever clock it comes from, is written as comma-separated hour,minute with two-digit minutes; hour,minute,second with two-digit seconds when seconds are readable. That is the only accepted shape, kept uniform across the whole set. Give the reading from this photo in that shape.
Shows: 8,44
